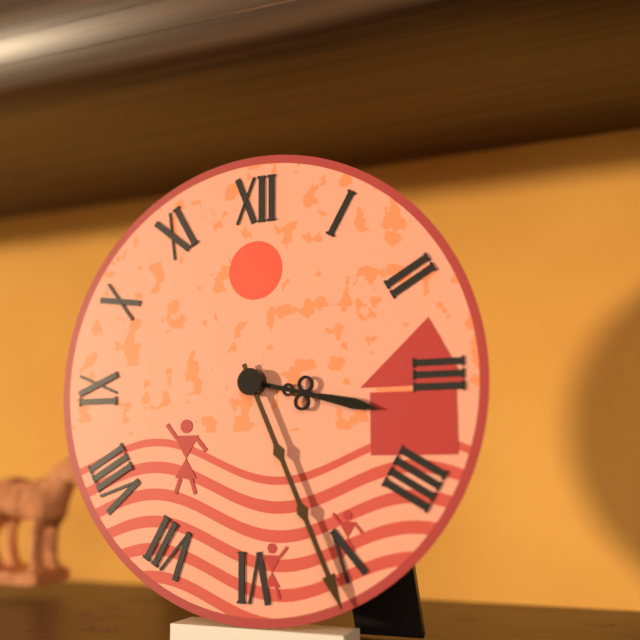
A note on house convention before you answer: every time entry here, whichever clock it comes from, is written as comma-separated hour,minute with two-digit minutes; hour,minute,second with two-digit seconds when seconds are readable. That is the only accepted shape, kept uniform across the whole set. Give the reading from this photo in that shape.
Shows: 3,26
